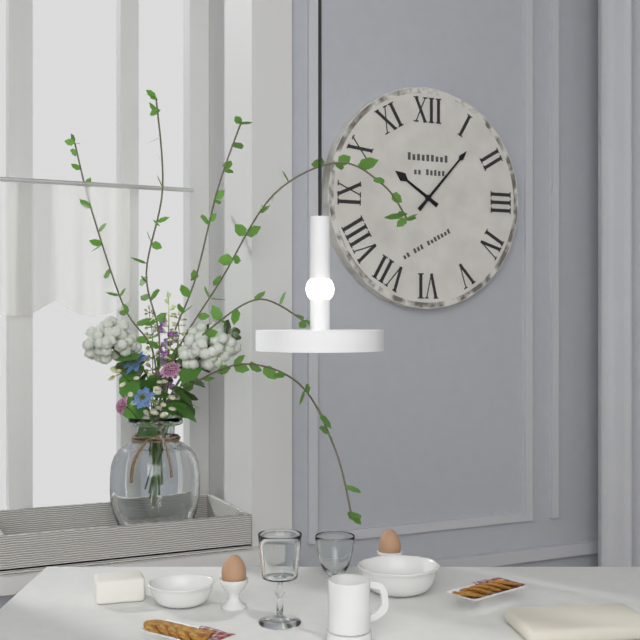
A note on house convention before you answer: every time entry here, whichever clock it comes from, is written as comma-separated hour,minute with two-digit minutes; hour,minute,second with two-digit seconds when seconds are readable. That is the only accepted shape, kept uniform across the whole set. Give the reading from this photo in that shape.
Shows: 10,07
